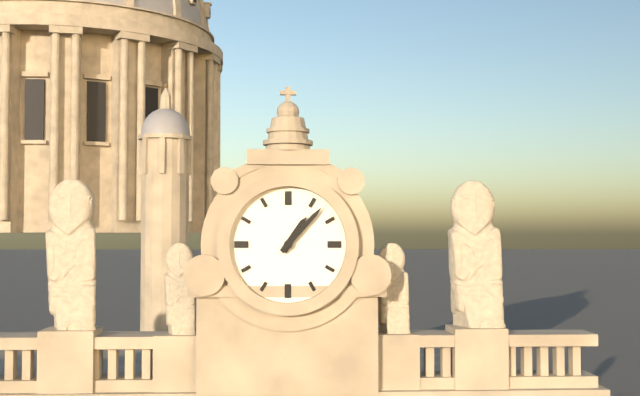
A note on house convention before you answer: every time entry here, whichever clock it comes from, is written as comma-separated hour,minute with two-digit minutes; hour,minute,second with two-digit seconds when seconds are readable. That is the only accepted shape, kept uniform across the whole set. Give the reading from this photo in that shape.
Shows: 1,07
